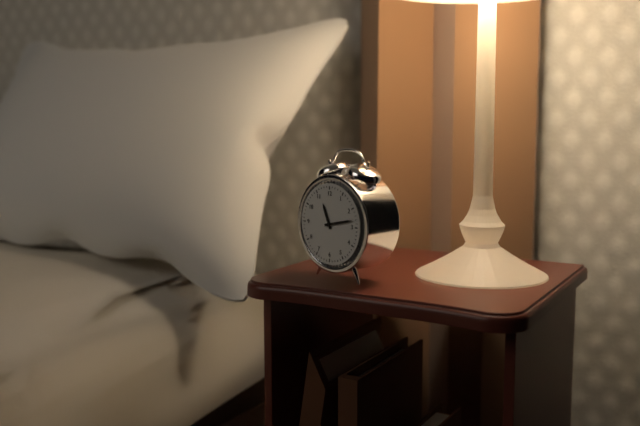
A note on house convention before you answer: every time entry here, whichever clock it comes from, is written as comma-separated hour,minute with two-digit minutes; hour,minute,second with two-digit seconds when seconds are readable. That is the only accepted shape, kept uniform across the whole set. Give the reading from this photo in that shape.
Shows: 11,13
